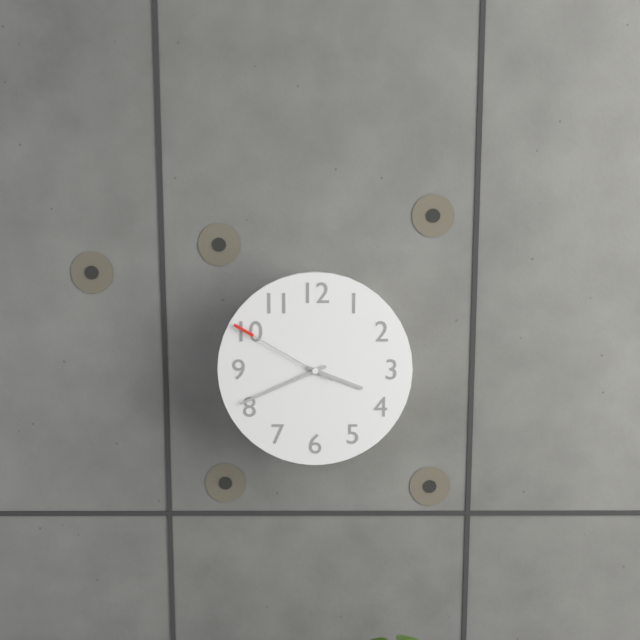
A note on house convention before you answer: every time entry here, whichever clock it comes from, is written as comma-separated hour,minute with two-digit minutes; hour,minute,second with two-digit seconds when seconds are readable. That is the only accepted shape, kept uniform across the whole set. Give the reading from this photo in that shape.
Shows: 3,41,50
